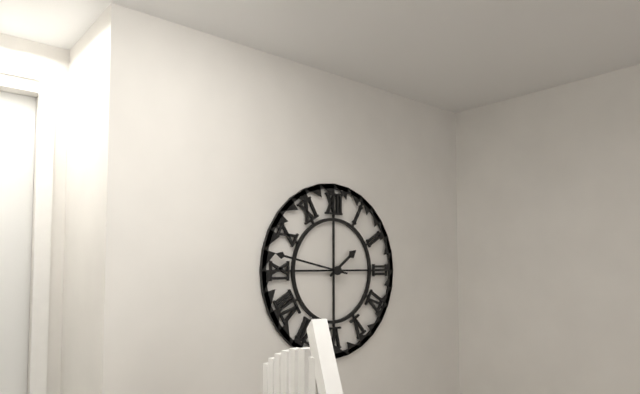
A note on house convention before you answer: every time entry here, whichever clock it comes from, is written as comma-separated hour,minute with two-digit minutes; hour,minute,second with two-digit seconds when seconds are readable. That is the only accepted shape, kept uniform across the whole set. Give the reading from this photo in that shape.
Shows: 1,47
